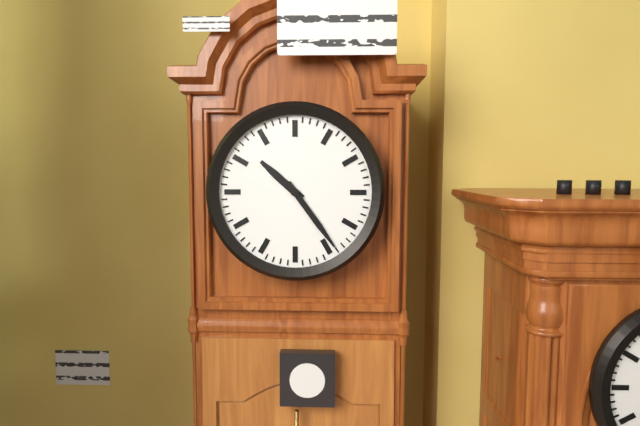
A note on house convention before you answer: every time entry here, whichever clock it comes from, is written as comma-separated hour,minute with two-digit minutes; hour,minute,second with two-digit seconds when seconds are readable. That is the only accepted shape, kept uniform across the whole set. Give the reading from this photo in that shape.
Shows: 10,24
